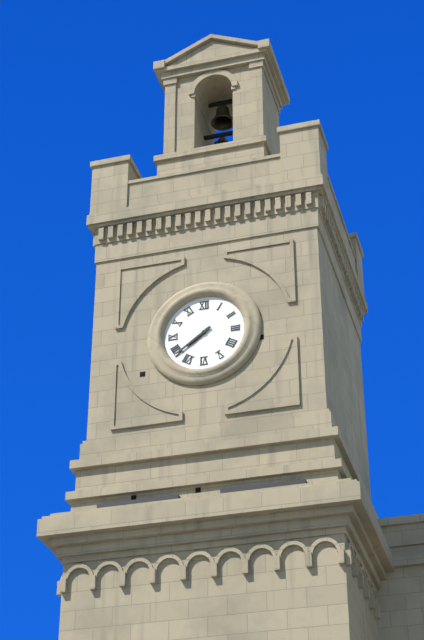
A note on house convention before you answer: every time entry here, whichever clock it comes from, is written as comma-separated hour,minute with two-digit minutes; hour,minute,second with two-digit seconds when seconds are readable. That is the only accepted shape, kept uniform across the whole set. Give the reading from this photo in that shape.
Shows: 7,39
